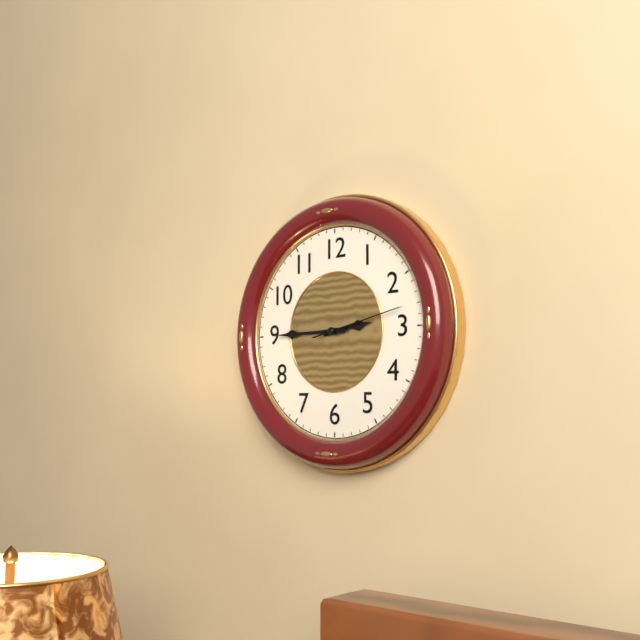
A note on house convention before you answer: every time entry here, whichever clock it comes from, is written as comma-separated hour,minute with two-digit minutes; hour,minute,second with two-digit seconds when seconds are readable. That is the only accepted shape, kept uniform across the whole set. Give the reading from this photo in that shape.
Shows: 2,45,13
